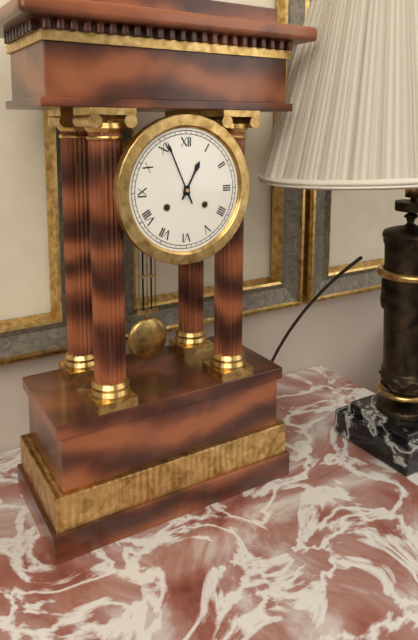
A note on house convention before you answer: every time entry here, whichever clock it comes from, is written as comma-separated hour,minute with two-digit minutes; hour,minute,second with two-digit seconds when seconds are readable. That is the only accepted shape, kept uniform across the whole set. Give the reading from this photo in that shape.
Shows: 12,56
